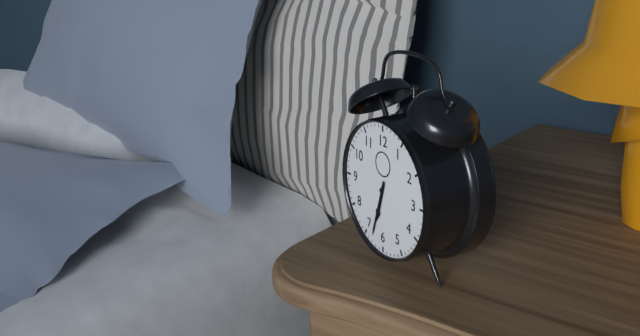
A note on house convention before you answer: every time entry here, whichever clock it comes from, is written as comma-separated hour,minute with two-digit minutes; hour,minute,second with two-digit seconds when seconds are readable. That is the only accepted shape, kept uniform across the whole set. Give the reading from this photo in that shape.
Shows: 6,33
